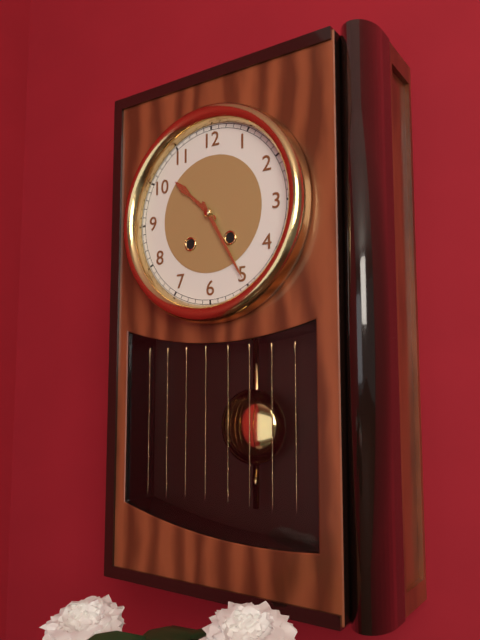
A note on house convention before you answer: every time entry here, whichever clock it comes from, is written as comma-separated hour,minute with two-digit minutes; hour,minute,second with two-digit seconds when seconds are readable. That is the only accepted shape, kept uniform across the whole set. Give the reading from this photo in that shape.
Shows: 10,25
